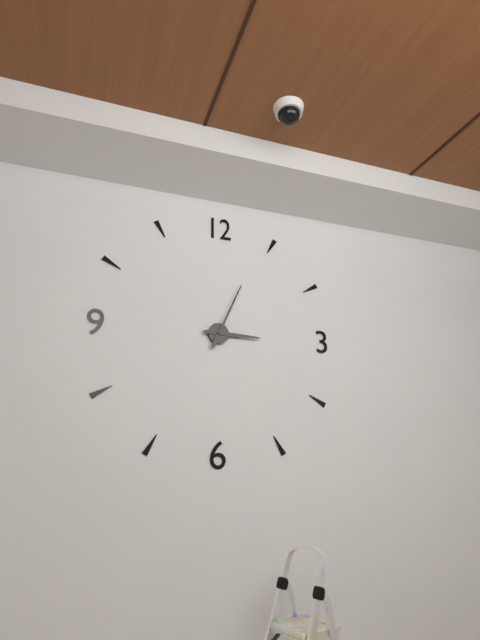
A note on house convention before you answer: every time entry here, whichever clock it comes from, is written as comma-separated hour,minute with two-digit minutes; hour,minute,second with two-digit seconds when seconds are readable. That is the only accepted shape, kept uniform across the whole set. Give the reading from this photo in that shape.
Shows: 3,04
